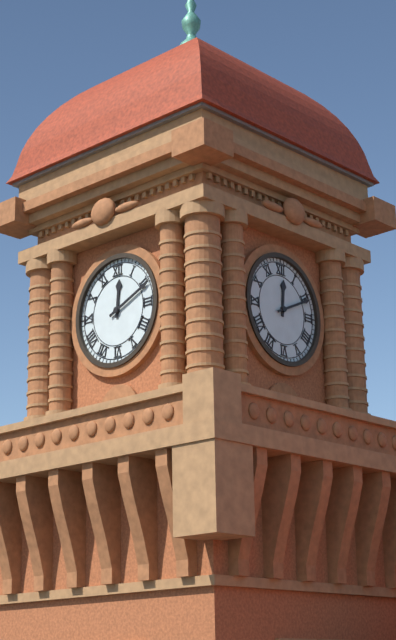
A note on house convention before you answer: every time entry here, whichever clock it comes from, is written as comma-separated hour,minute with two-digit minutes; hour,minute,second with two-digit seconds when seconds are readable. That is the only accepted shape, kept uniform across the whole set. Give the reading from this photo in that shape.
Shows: 12,11
